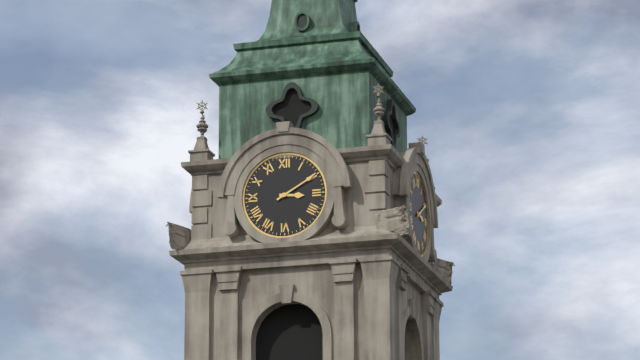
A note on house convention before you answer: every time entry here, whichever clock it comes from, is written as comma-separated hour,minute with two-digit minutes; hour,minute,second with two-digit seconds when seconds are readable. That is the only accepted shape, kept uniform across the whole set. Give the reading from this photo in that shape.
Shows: 3,10
